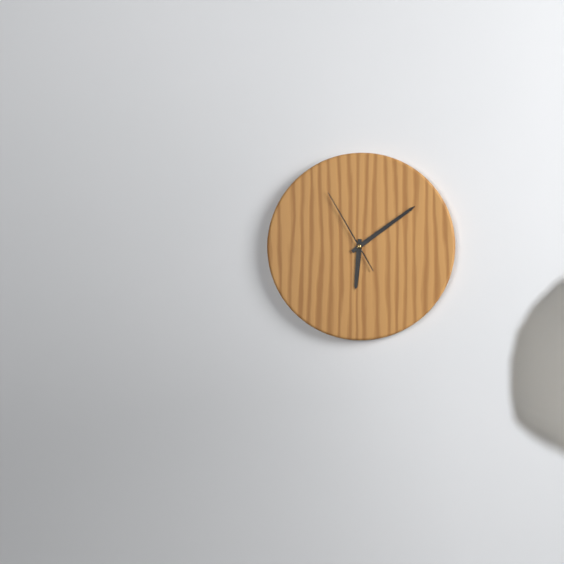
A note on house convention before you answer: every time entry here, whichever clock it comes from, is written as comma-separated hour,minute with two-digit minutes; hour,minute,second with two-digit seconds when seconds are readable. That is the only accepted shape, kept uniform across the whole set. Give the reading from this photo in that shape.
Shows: 6,09,55
